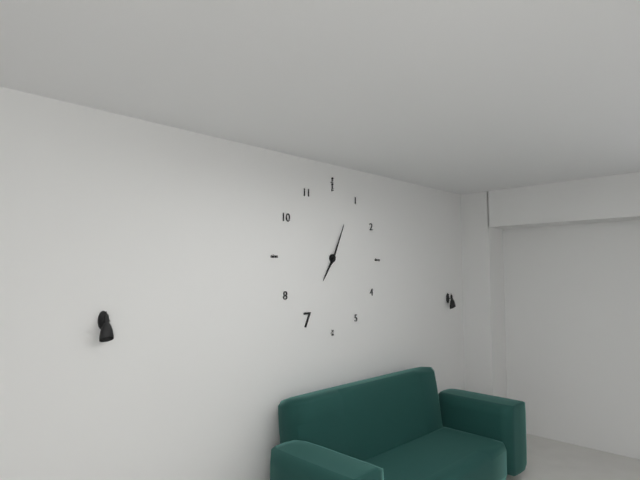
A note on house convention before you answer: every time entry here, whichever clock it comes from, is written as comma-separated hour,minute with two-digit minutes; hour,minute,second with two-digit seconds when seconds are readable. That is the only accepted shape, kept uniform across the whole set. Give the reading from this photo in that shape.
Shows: 7,04
